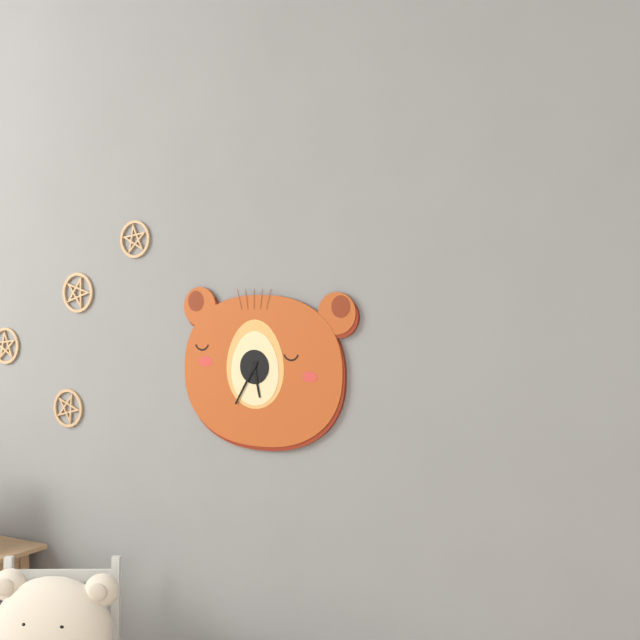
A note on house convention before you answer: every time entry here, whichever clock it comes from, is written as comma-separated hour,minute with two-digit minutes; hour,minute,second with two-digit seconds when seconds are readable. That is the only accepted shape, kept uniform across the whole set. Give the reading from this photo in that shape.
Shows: 5,35
